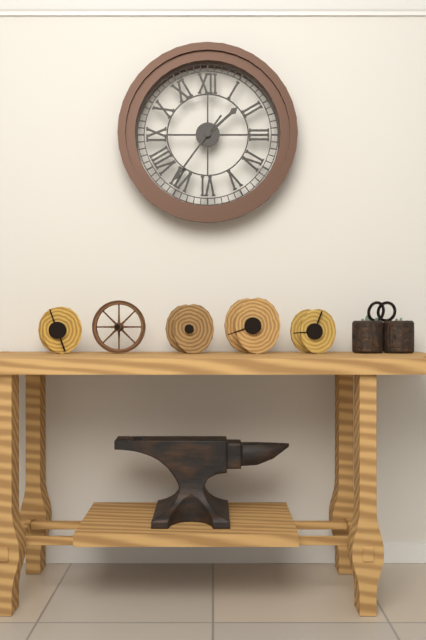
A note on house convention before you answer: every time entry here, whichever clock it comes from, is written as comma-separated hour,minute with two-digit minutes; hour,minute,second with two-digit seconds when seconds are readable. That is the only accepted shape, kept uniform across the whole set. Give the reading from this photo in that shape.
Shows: 1,36
